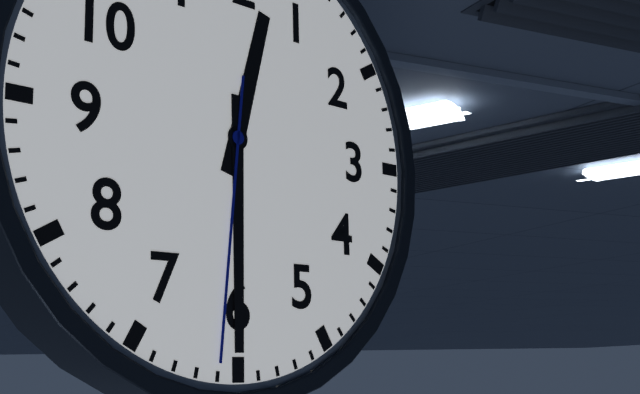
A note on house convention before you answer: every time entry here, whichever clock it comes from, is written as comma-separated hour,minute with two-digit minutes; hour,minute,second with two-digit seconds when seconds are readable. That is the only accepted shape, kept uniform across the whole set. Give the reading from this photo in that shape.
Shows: 12,30,31
